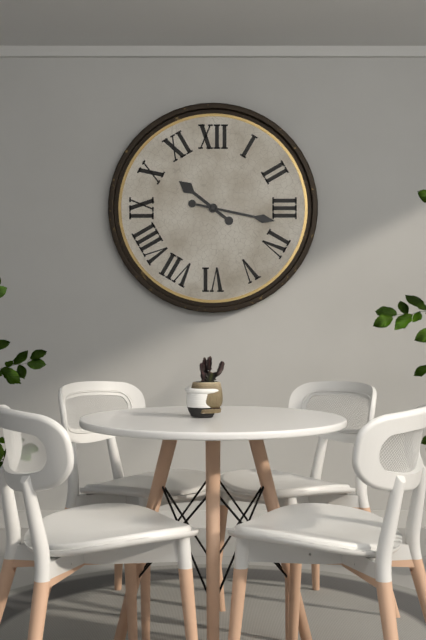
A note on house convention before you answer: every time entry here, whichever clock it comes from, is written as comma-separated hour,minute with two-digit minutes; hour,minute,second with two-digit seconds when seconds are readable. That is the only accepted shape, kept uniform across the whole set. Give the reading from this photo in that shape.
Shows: 10,17
